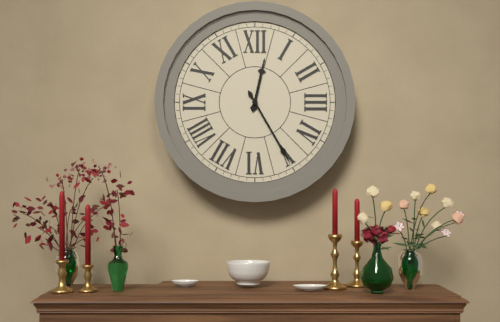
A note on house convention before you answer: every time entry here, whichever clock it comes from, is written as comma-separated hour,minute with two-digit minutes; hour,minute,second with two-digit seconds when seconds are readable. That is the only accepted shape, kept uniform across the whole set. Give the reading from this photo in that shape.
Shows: 12,25
